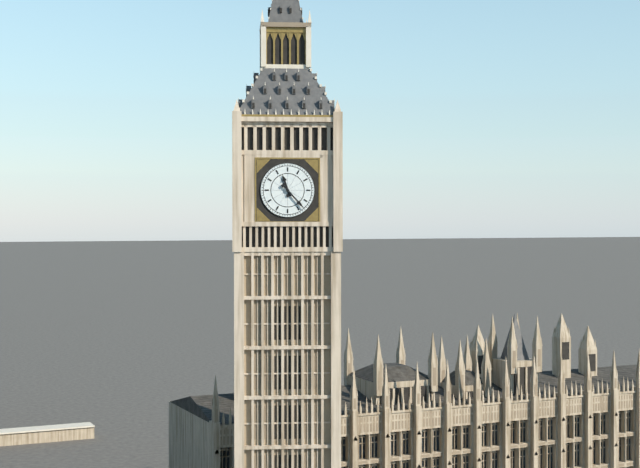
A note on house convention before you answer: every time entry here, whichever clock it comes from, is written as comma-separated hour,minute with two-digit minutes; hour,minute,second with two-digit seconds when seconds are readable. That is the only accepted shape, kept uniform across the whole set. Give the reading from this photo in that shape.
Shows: 11,23
